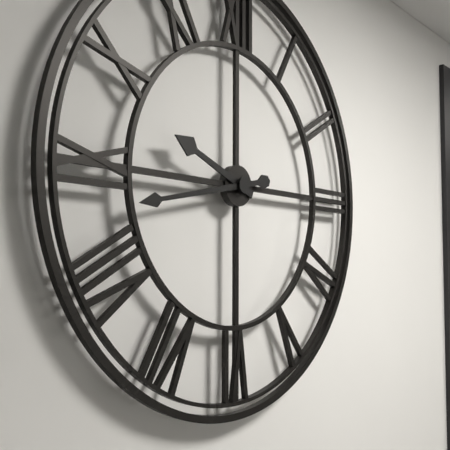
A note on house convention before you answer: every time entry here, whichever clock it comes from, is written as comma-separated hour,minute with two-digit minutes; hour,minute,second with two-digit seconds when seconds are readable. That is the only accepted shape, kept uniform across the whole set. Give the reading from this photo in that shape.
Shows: 9,43
